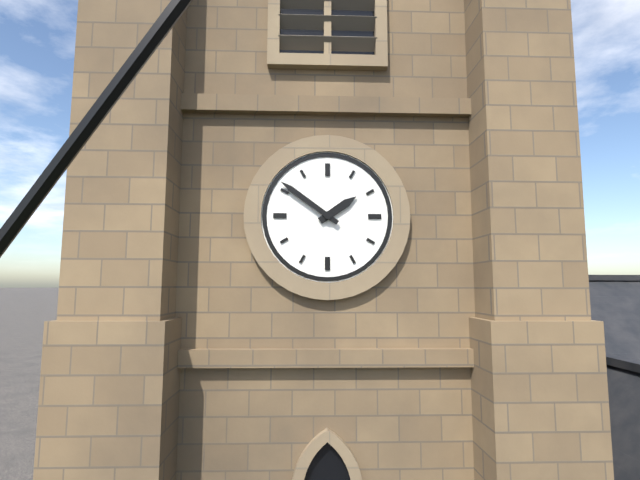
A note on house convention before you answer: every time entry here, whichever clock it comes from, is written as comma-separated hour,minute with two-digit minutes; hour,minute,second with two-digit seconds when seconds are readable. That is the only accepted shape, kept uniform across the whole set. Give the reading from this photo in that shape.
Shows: 1,51
